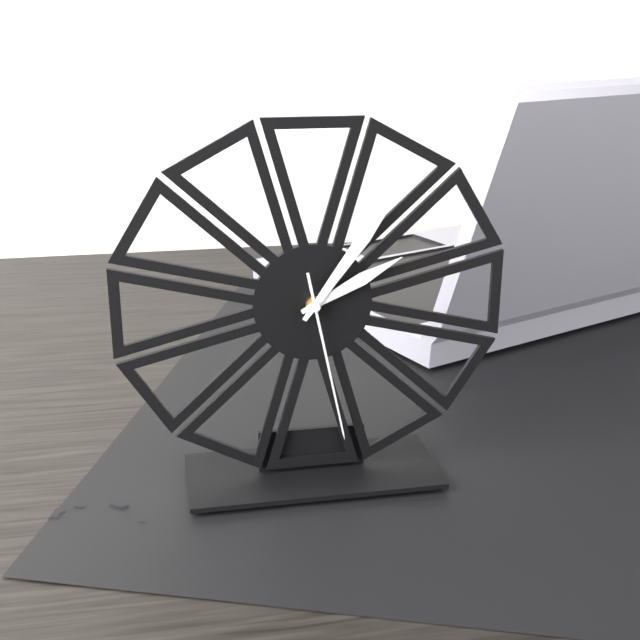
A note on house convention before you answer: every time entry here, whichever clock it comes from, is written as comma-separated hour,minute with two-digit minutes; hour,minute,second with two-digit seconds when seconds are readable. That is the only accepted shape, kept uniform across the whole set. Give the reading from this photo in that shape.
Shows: 2,06,28
